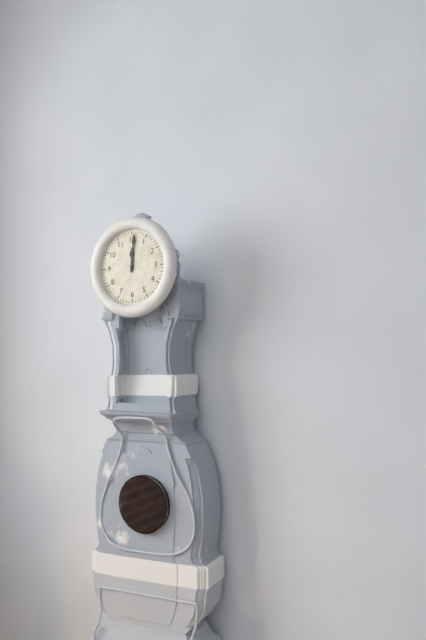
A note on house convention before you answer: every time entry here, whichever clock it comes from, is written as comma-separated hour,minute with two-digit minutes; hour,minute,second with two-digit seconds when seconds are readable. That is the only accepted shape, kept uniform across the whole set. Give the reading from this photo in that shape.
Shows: 12,01
